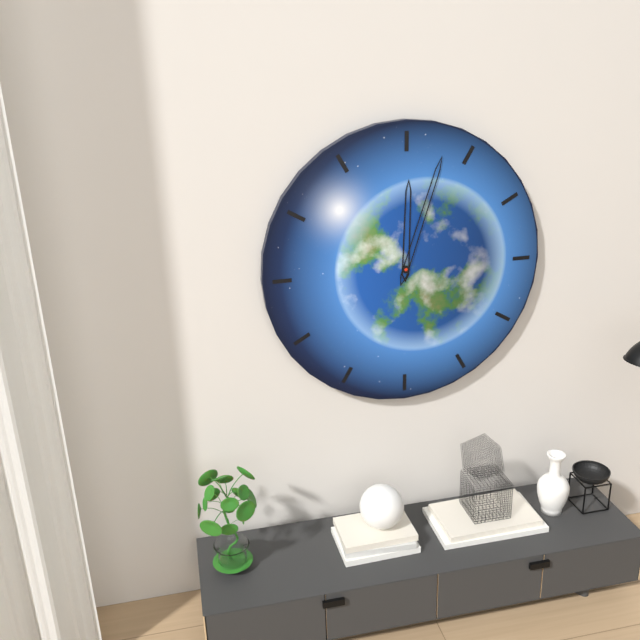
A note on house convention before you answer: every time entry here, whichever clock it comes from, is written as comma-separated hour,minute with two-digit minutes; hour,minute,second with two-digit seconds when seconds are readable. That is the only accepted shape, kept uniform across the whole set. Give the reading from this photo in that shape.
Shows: 12,03
